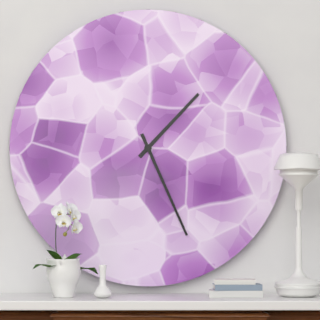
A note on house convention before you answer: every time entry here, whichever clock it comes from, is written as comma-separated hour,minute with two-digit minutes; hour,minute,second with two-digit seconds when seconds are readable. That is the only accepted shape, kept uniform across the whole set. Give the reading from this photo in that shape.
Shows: 1,26
